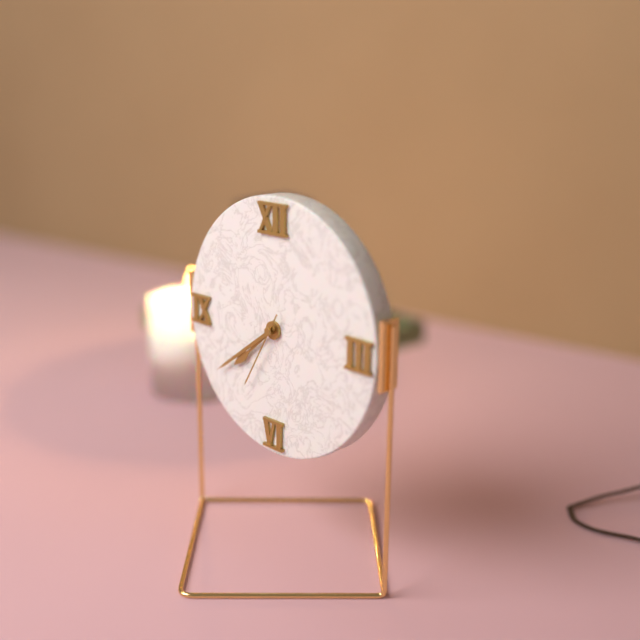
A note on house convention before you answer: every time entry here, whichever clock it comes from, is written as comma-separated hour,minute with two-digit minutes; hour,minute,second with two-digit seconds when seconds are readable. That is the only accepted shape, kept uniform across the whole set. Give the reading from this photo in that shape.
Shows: 7,39,35
